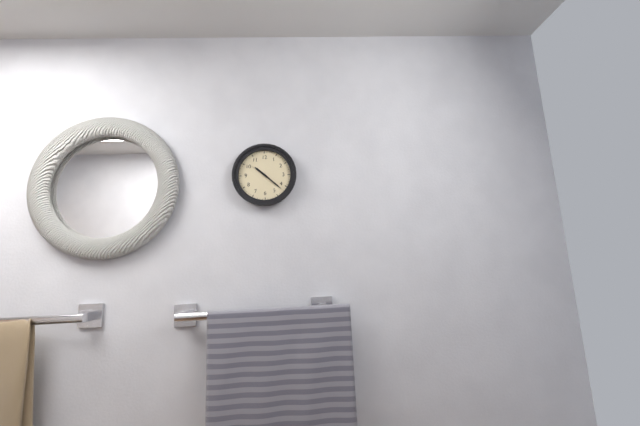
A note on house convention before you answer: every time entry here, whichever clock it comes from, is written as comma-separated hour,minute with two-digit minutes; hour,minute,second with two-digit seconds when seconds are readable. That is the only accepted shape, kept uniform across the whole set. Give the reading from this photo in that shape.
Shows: 10,22
